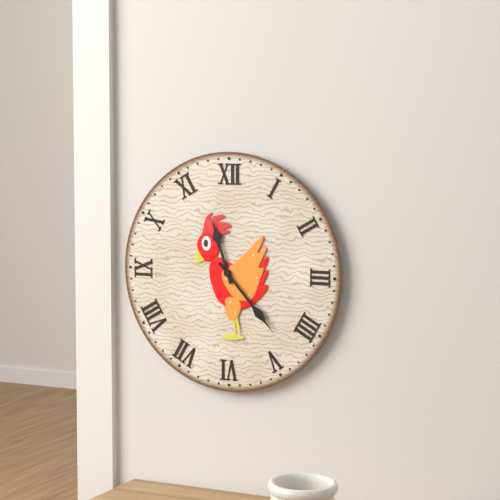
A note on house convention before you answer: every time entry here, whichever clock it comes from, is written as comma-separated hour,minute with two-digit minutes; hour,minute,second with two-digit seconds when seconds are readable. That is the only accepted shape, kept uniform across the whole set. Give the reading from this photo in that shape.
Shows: 11,23
